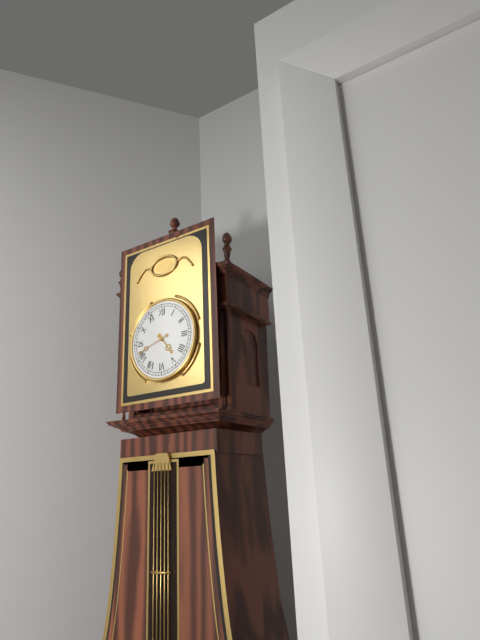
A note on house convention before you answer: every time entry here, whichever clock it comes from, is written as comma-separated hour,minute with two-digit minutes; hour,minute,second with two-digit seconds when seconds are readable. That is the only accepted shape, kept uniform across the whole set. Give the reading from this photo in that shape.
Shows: 4,42
